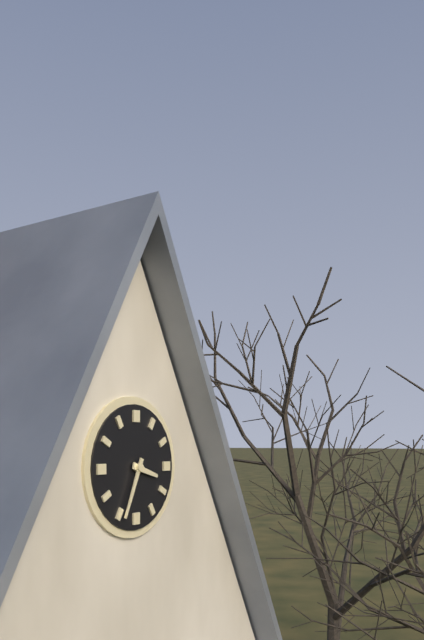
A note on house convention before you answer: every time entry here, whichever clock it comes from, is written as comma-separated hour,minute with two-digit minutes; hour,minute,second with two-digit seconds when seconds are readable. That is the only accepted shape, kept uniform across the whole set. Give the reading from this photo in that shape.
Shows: 3,34
